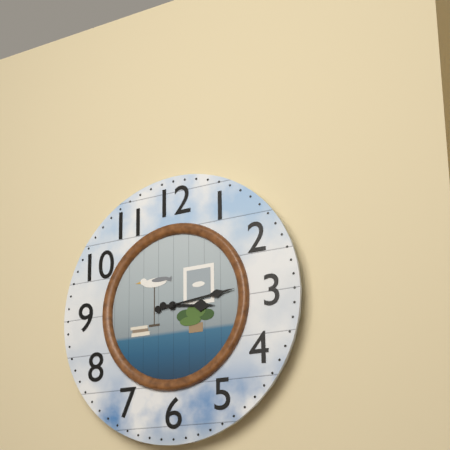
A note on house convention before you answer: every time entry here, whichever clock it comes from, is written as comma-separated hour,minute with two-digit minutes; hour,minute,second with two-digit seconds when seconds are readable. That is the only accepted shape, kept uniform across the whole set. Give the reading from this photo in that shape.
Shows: 3,14
